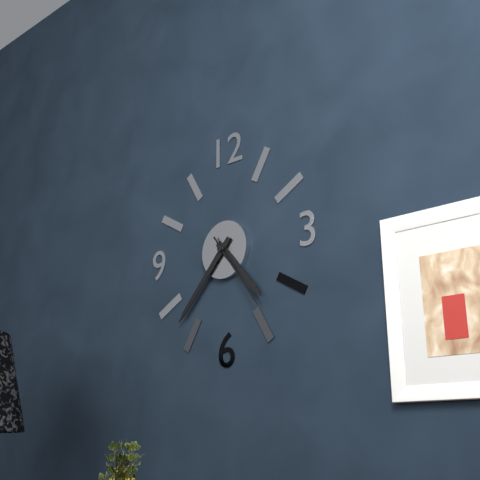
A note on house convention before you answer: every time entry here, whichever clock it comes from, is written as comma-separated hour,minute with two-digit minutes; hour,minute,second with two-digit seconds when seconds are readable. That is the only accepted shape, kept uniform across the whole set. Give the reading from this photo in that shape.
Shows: 4,37,24
